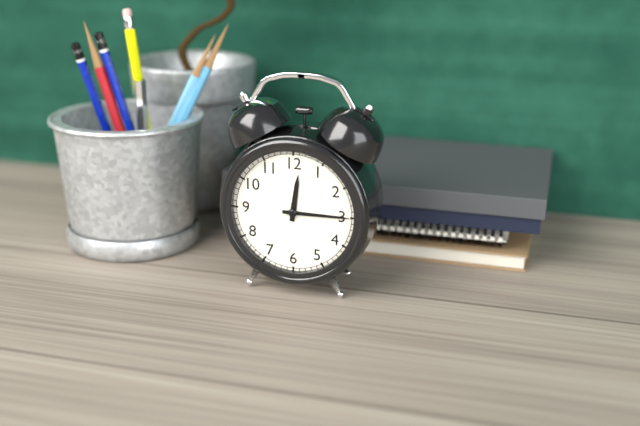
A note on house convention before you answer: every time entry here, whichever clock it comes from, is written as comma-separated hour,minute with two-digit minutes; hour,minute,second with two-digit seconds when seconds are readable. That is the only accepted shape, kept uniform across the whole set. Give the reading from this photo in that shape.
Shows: 12,15
